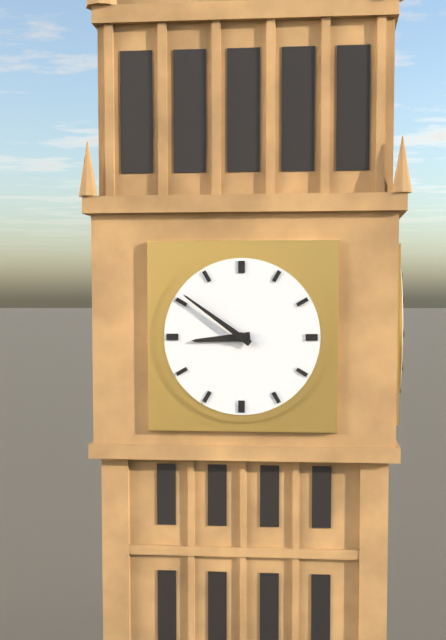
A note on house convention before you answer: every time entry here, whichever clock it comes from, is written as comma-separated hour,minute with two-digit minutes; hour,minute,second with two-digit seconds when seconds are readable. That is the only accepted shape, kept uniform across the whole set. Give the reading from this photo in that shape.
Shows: 8,51
